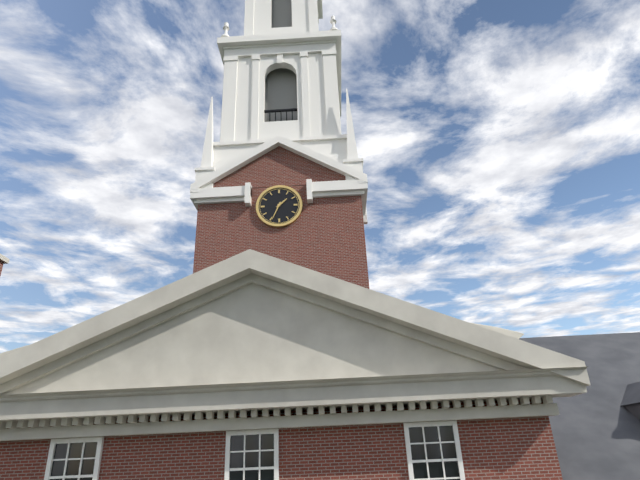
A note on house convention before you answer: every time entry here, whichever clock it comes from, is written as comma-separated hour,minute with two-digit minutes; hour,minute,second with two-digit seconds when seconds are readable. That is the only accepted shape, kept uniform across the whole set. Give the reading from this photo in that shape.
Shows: 1,34
